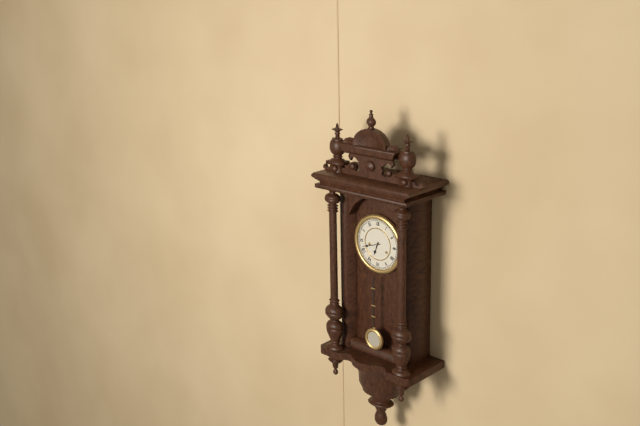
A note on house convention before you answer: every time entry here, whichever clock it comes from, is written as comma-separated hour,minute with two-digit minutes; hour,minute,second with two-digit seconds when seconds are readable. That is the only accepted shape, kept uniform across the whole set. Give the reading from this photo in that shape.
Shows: 6,42
